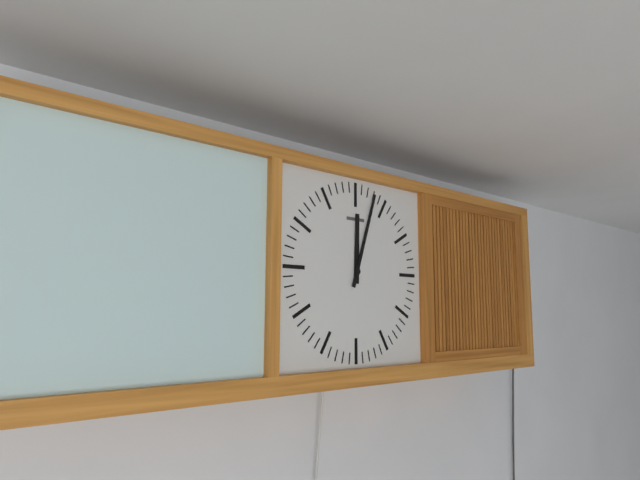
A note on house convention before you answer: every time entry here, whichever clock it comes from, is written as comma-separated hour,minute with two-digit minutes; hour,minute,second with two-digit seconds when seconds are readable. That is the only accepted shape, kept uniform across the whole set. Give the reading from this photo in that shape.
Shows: 12,03
